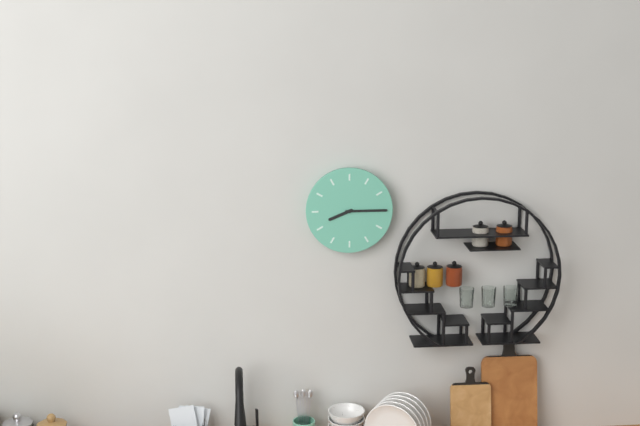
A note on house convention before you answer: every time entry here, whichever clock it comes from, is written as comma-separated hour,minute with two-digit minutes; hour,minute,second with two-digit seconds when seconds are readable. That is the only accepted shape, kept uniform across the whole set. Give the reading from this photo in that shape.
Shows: 8,15
